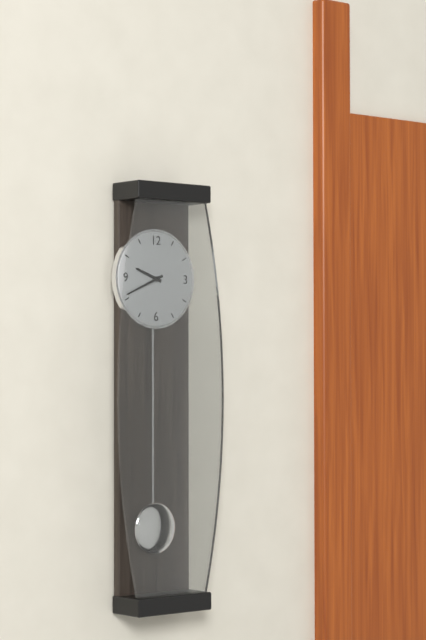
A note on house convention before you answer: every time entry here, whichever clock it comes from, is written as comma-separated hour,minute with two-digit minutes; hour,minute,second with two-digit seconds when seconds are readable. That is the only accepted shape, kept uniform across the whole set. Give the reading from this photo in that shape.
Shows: 9,41
